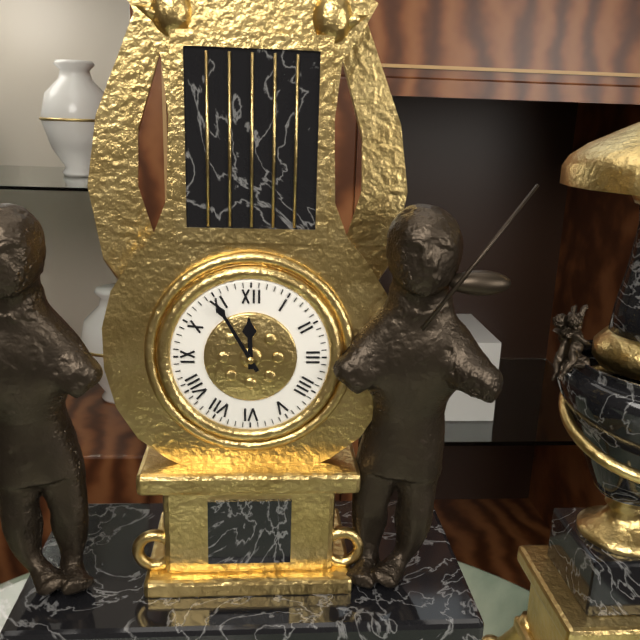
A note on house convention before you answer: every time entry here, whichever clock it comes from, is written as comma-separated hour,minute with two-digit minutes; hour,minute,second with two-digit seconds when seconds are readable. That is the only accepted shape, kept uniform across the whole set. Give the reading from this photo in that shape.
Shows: 11,55
